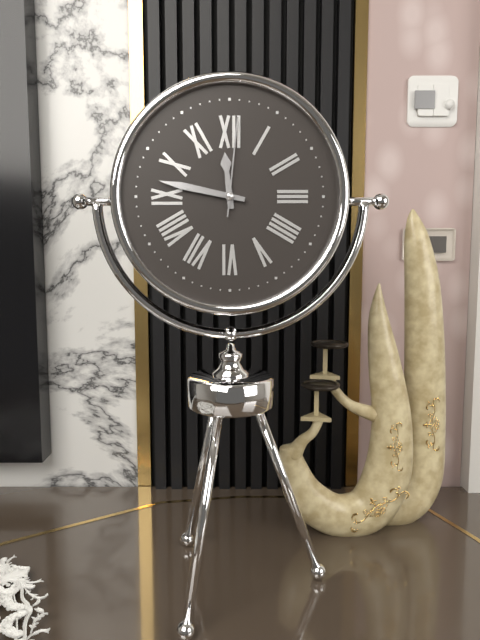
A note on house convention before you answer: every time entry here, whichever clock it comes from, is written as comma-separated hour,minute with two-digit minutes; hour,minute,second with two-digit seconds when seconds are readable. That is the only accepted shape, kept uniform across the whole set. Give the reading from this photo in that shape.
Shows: 11,47,01
